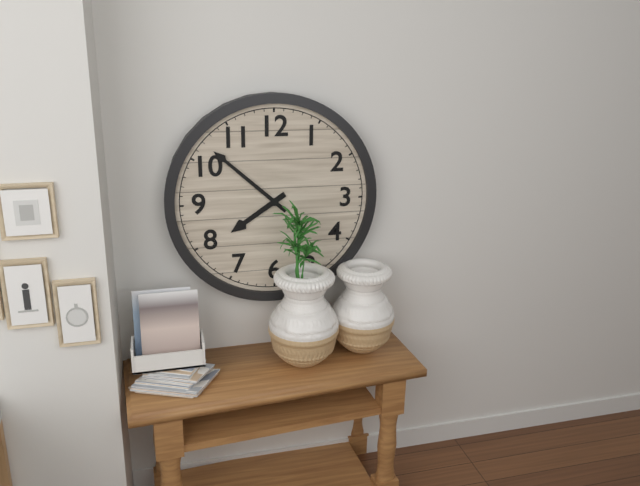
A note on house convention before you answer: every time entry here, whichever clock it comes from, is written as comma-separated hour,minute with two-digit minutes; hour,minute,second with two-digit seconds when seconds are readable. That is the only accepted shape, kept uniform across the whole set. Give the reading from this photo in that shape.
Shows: 7,52
